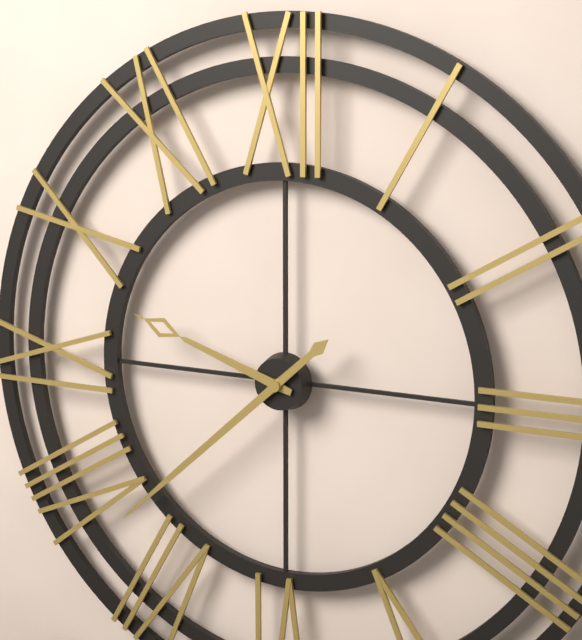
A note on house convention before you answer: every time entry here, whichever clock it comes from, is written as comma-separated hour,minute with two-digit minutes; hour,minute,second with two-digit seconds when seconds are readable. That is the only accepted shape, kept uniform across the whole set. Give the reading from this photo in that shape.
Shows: 9,38
